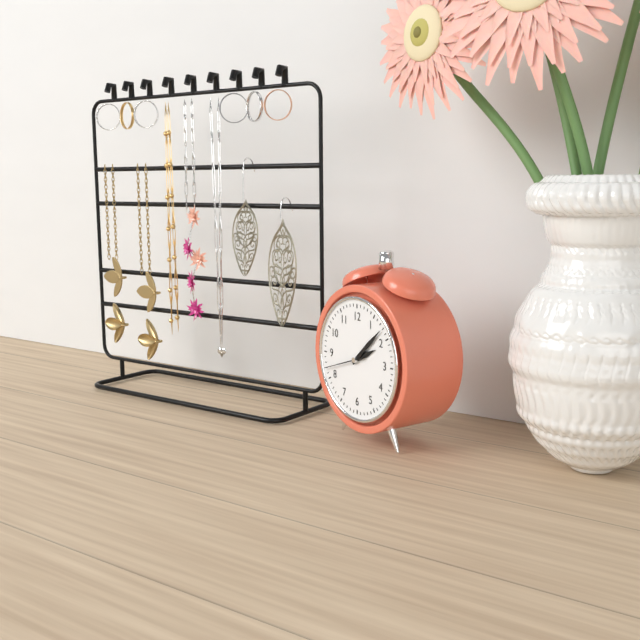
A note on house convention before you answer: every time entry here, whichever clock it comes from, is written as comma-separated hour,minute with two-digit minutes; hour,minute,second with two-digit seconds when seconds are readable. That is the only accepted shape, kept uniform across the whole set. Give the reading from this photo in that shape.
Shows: 2,08
